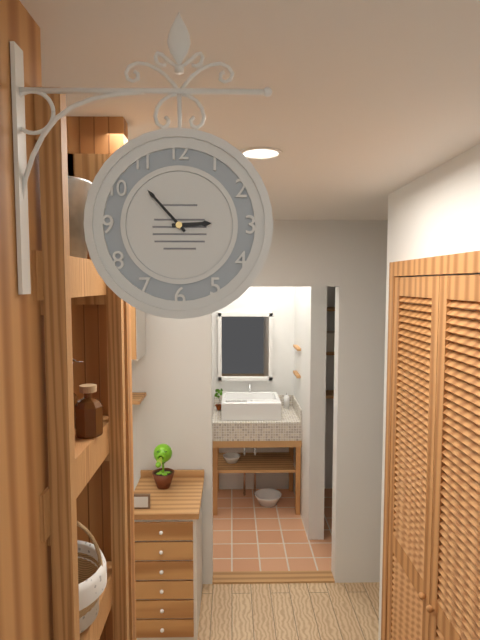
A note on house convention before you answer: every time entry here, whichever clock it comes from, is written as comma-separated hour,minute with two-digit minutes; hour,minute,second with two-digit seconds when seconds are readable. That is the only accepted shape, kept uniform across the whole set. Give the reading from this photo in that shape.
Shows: 2,53
